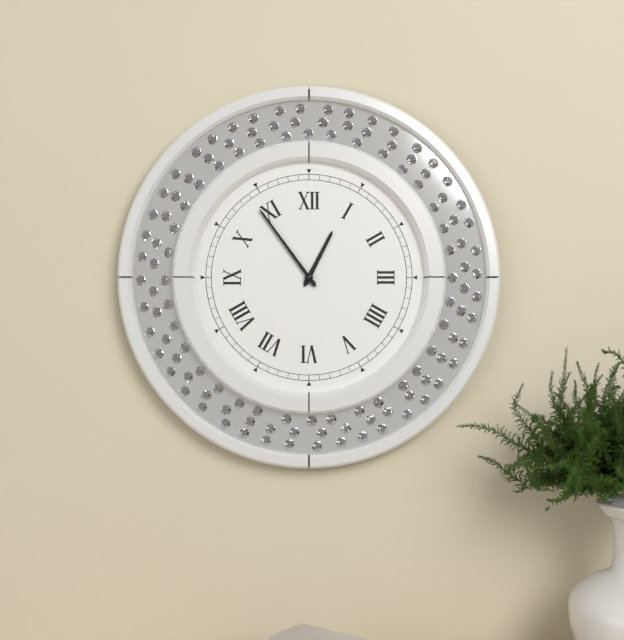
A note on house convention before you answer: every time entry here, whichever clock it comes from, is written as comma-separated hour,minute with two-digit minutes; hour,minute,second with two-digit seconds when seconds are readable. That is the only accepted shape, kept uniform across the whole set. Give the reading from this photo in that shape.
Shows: 12,54
